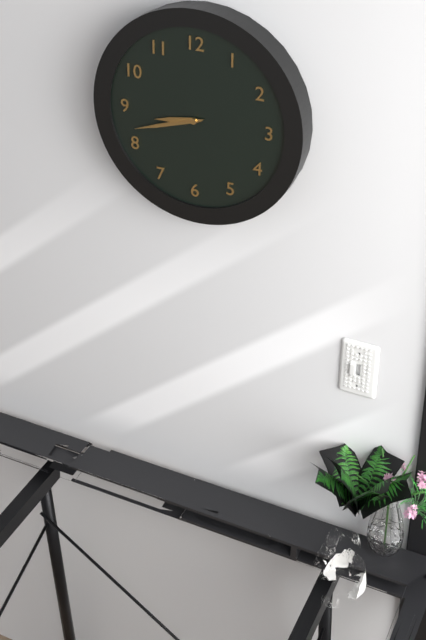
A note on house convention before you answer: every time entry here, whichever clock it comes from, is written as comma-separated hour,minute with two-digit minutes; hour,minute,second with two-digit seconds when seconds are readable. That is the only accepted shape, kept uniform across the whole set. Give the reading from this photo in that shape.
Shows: 8,42
